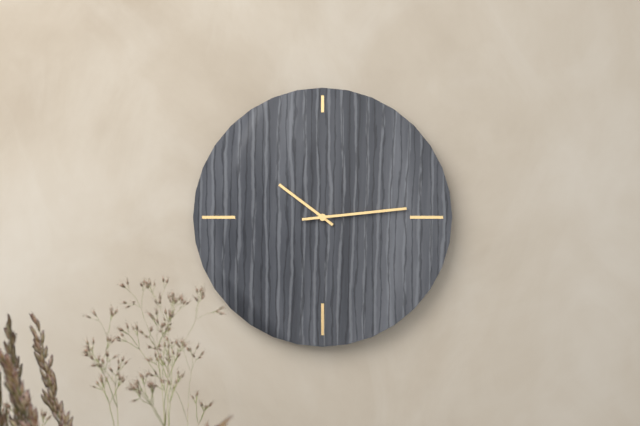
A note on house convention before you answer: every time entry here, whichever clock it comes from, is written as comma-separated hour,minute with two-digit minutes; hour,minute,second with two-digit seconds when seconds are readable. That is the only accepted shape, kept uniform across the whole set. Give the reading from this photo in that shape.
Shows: 10,14
